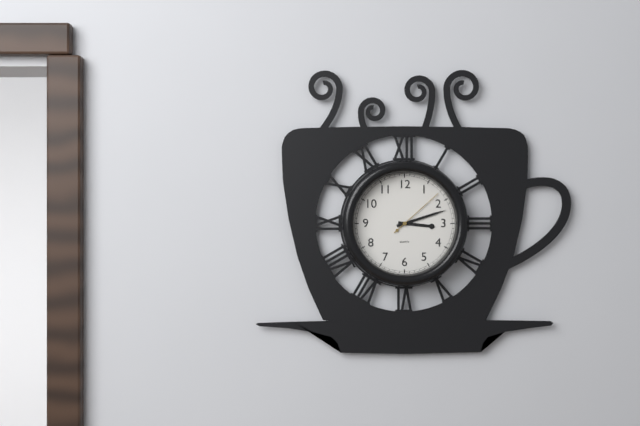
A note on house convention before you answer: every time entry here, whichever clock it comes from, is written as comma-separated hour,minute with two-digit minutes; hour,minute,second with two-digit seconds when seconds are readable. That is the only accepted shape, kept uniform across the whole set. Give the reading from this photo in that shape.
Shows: 3,12,08
